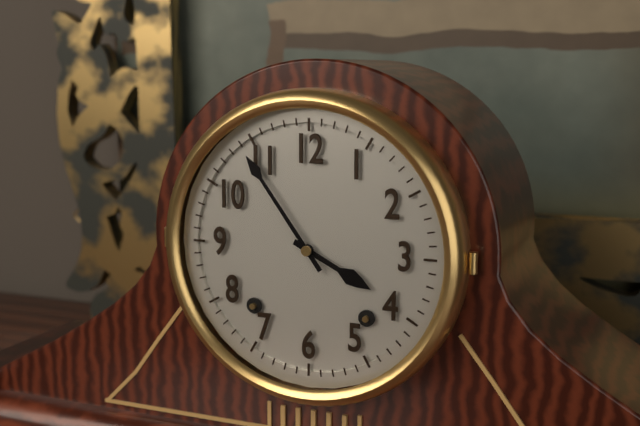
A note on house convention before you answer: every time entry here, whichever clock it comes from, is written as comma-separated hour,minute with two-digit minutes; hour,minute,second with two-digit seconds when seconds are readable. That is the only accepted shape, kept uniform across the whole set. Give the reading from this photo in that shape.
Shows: 3,54
